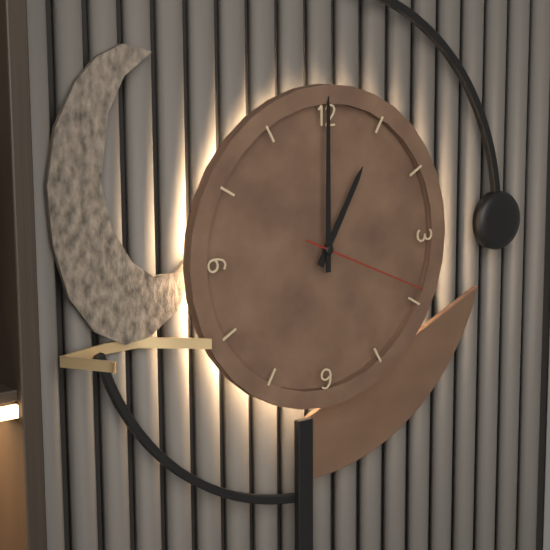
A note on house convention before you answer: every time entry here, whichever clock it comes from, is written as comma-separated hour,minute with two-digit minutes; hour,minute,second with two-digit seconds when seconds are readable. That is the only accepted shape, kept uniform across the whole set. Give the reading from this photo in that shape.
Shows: 1,00,19
